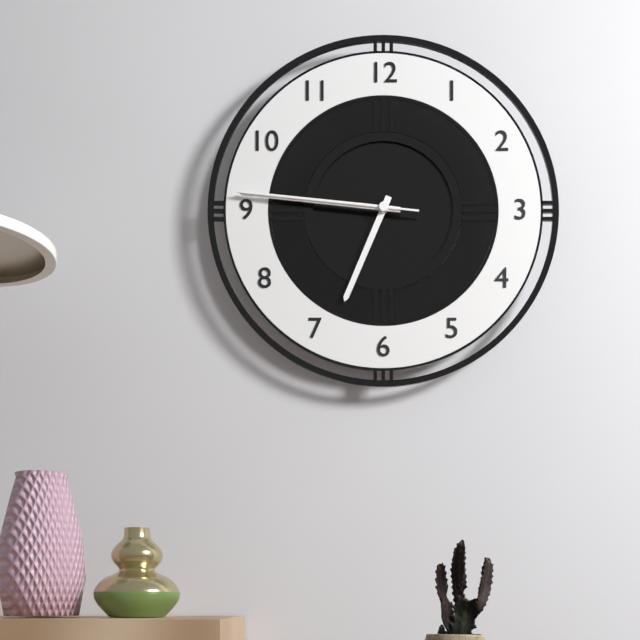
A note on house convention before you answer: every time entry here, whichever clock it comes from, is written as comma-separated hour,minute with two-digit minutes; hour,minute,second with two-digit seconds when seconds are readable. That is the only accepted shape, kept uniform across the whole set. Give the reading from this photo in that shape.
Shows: 6,46,46
